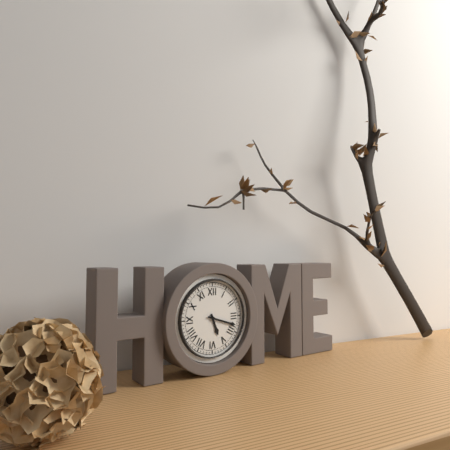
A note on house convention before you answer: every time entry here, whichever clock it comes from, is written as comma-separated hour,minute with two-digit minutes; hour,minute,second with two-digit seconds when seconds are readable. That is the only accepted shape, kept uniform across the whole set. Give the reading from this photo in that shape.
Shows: 5,18
